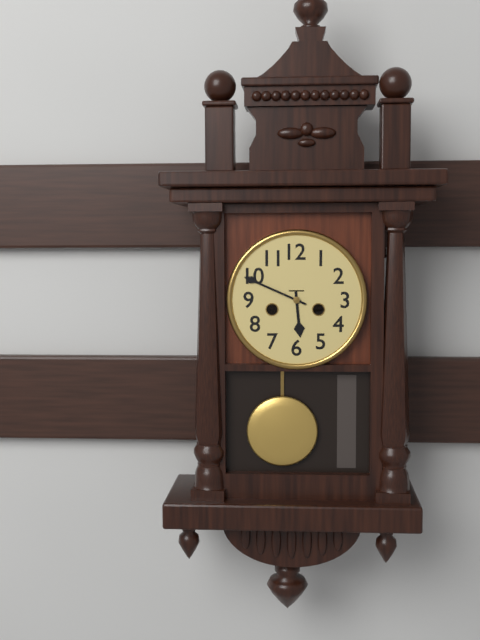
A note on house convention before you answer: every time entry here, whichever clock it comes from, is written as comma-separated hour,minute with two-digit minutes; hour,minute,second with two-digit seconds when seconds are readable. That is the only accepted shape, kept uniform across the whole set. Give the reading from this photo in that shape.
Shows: 5,49
